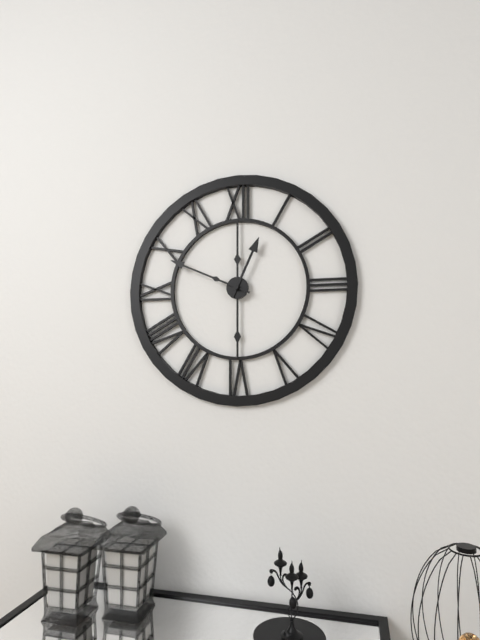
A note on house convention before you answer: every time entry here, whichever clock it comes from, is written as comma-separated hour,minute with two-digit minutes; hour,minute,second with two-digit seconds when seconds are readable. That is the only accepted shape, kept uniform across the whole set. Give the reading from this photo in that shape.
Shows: 12,49
